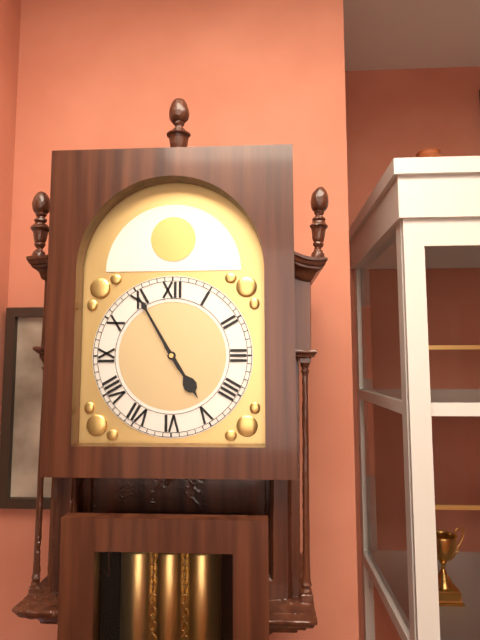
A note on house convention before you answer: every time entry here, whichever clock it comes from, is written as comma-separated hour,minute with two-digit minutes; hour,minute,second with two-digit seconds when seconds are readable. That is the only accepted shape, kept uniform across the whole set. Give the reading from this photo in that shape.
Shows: 4,55
